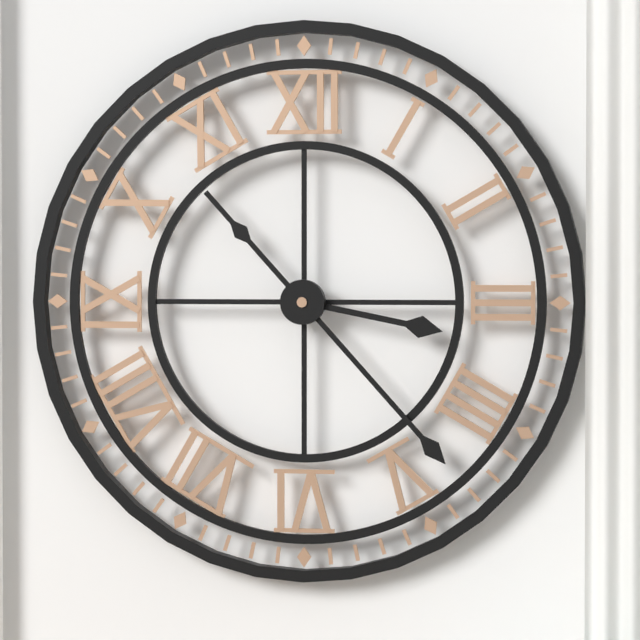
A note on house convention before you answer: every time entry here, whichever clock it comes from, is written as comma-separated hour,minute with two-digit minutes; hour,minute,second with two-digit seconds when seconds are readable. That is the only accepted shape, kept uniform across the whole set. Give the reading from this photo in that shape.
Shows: 3,23
